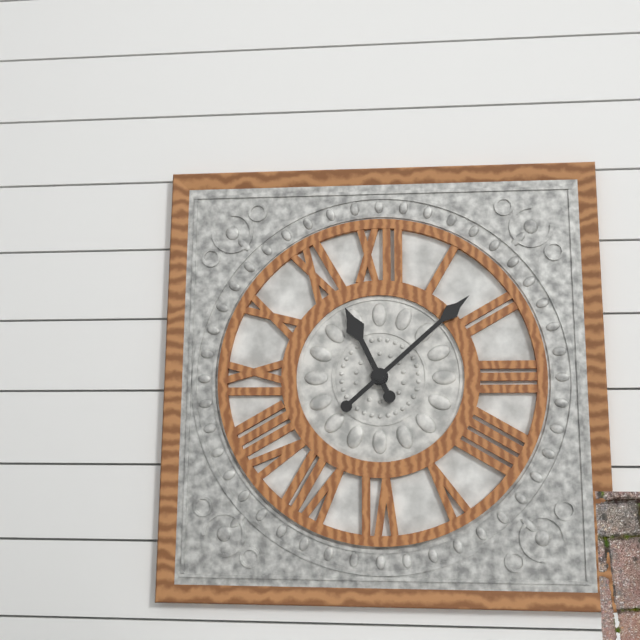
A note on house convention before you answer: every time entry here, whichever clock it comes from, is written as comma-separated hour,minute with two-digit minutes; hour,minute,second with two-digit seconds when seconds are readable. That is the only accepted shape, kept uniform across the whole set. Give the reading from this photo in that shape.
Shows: 11,08
